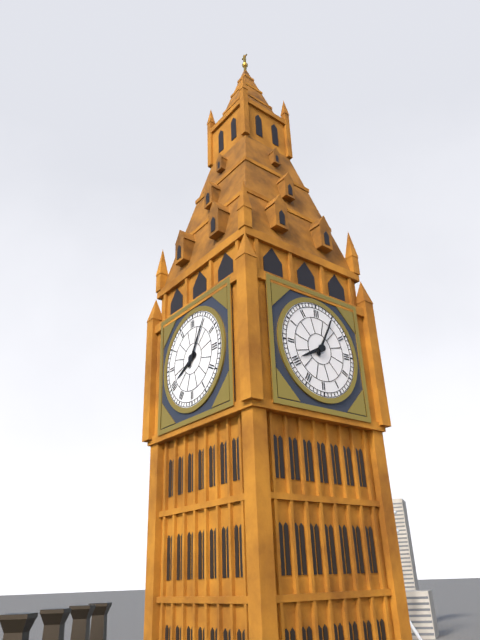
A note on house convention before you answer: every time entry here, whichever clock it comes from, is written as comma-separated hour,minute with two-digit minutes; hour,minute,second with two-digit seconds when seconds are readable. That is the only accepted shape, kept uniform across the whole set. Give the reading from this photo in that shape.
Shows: 8,05
